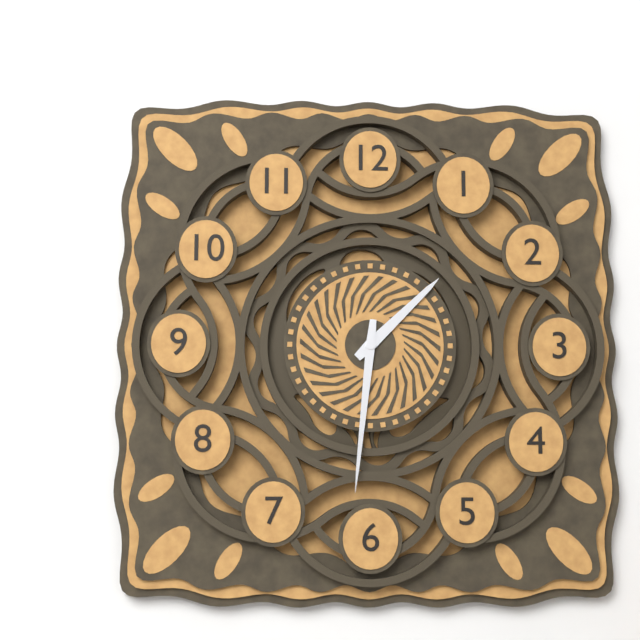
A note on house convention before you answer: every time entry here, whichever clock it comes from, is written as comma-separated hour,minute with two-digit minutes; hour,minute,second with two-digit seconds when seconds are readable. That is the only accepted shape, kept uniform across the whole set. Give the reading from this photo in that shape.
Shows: 1,31
